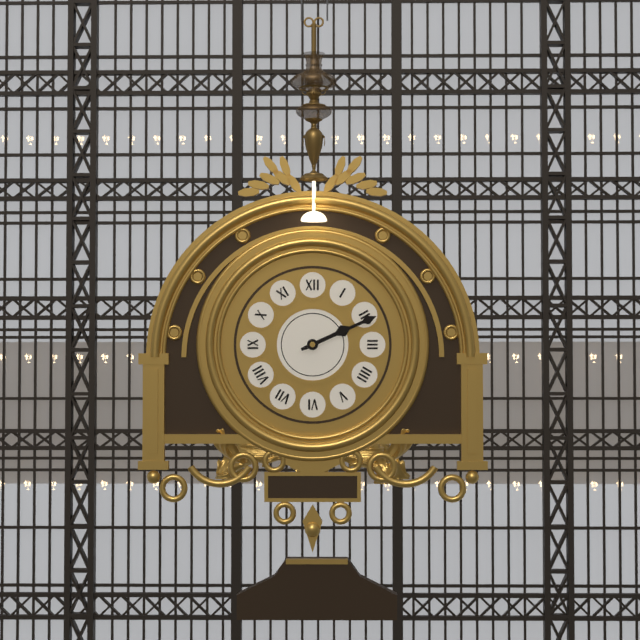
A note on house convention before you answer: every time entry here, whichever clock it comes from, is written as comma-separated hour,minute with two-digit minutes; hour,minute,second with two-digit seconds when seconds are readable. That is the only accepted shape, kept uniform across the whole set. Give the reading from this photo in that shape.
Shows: 2,11
